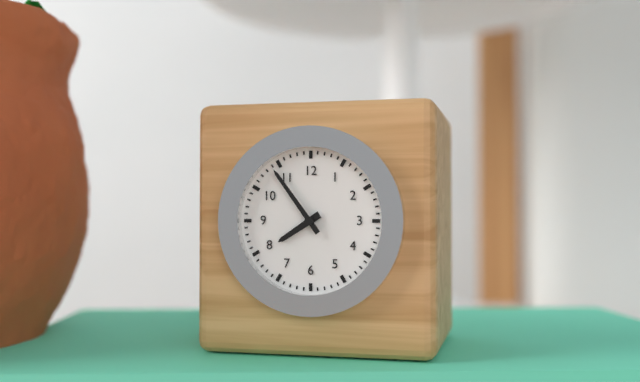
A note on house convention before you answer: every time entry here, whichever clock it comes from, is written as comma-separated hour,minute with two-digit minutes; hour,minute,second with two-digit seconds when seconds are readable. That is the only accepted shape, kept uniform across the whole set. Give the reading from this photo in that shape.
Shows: 7,54
